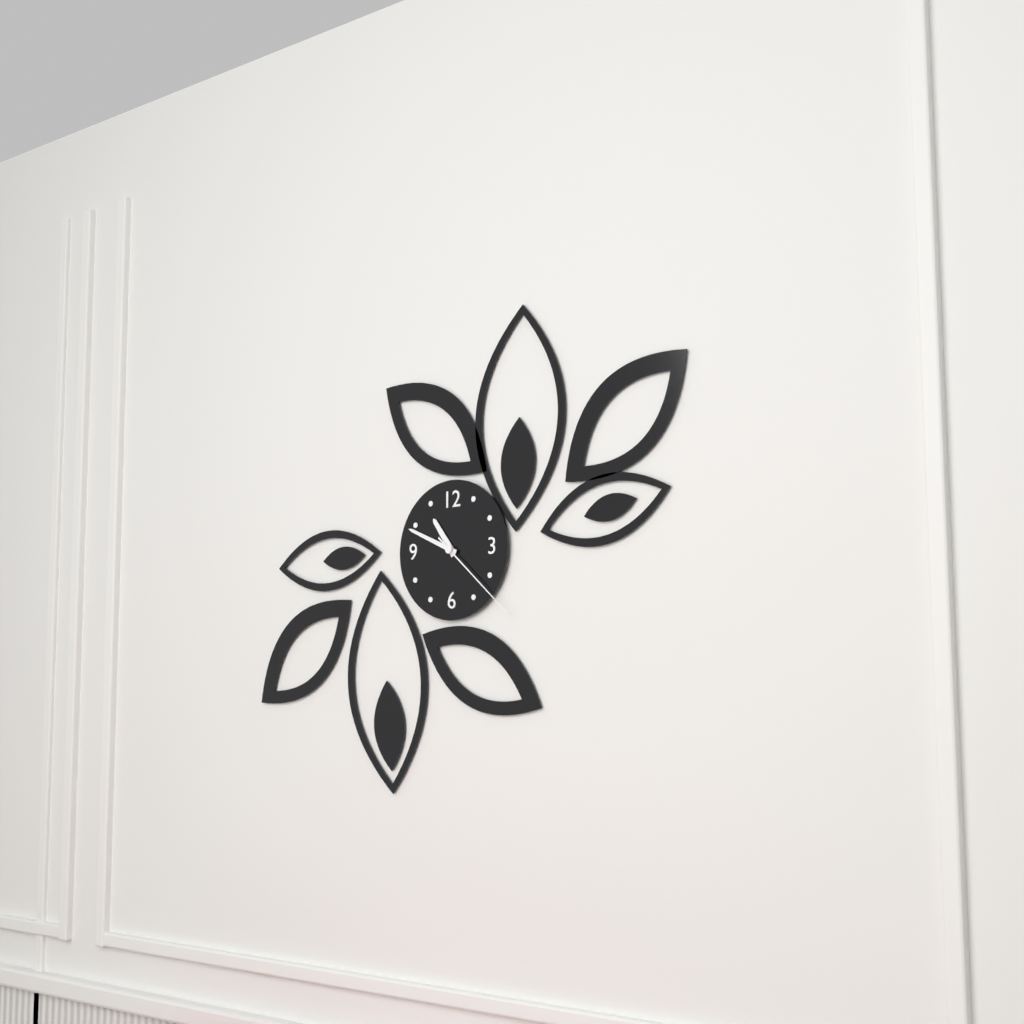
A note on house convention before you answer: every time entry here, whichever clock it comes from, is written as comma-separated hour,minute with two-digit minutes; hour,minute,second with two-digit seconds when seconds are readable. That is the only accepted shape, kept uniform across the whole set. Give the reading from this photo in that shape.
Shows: 10,49,22
